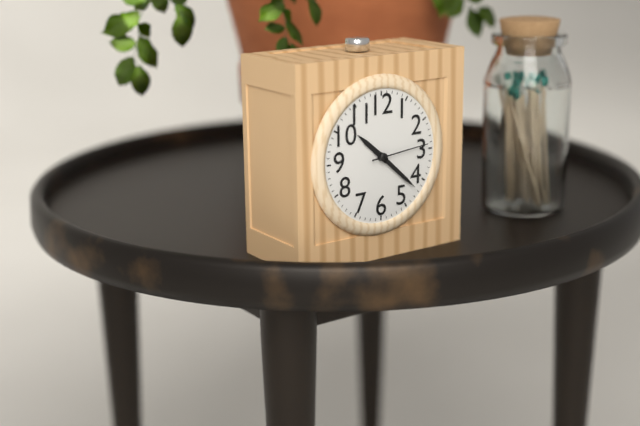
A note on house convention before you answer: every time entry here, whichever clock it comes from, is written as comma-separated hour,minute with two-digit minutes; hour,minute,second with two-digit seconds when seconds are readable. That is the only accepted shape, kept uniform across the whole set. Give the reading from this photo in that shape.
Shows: 10,22,14
